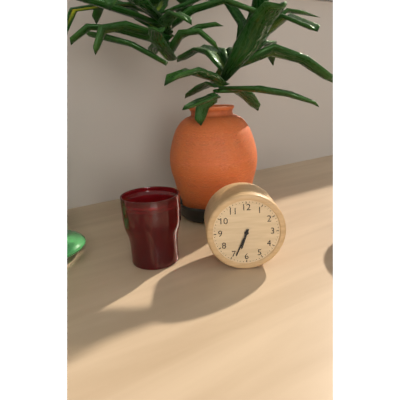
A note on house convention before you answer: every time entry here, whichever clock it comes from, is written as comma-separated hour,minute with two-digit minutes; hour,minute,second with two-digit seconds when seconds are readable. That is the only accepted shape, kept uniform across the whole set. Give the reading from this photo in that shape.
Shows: 6,34
